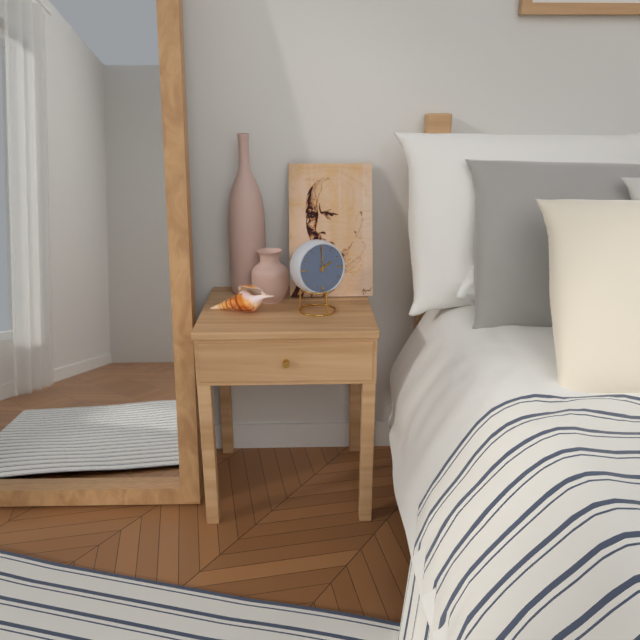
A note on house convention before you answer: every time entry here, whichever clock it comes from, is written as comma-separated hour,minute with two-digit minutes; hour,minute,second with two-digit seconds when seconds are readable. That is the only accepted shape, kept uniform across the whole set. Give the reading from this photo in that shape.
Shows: 2,00
